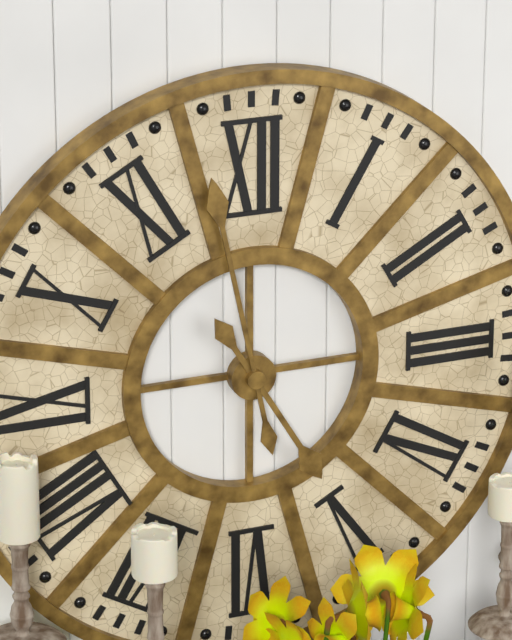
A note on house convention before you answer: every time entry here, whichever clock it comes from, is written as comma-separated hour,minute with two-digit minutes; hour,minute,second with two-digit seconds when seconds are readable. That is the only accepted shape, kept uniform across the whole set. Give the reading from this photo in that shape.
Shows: 4,58
